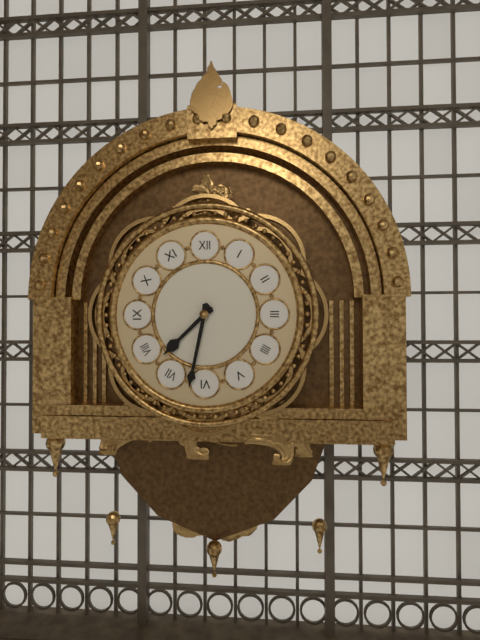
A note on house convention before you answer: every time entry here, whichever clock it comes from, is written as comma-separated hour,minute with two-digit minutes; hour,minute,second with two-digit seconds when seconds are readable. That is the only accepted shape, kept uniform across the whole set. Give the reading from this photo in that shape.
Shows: 7,32
